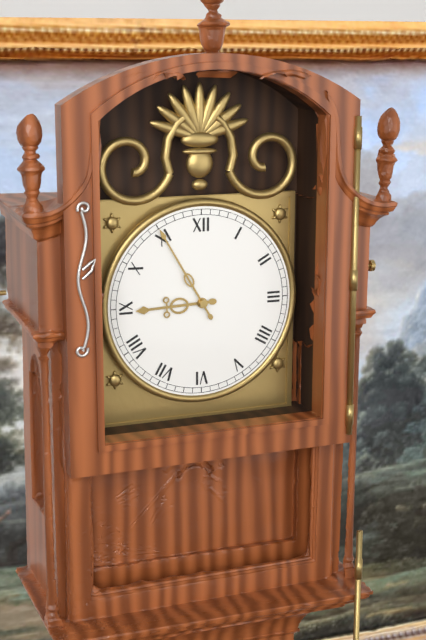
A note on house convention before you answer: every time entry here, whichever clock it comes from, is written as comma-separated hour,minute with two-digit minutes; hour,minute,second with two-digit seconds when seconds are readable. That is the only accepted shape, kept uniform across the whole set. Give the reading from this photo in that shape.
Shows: 8,55
